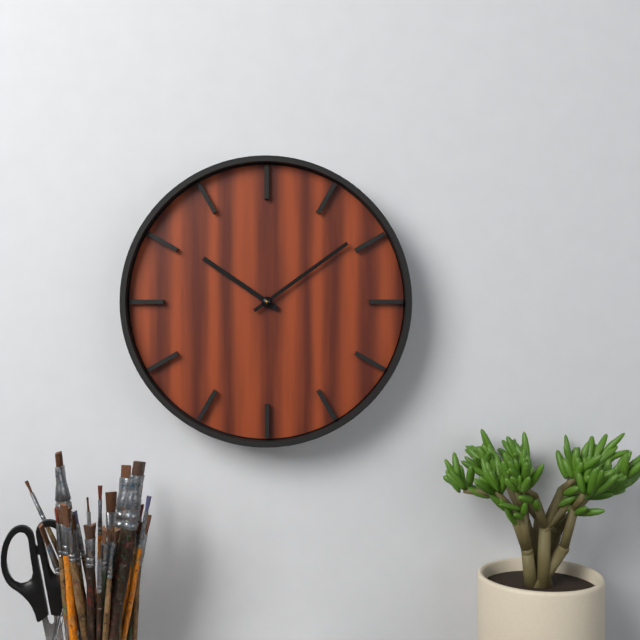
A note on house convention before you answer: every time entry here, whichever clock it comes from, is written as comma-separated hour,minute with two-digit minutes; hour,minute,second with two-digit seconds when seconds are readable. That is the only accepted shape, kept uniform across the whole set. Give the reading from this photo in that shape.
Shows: 10,09
